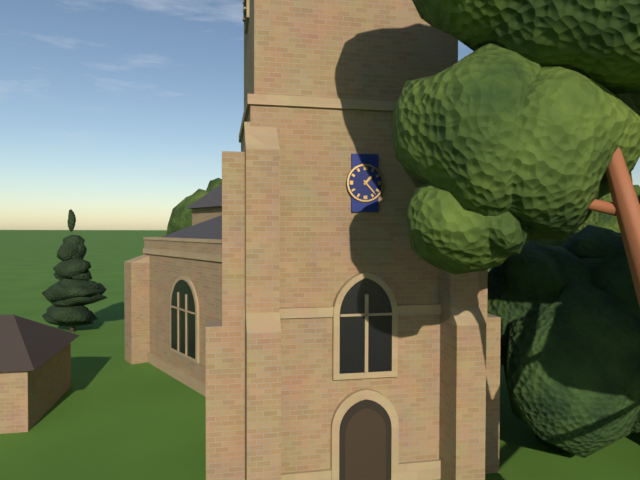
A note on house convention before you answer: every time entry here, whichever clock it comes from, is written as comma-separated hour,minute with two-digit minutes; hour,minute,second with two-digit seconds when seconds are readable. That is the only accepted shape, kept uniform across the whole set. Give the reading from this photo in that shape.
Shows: 1,23
